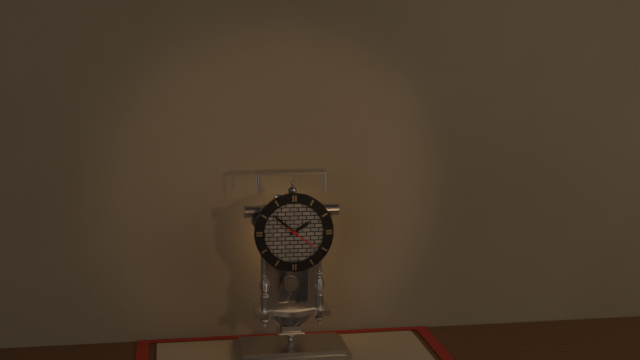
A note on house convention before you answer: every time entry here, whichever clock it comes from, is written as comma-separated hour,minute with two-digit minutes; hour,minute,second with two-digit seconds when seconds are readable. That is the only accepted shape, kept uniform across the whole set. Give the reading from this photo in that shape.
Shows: 1,52
